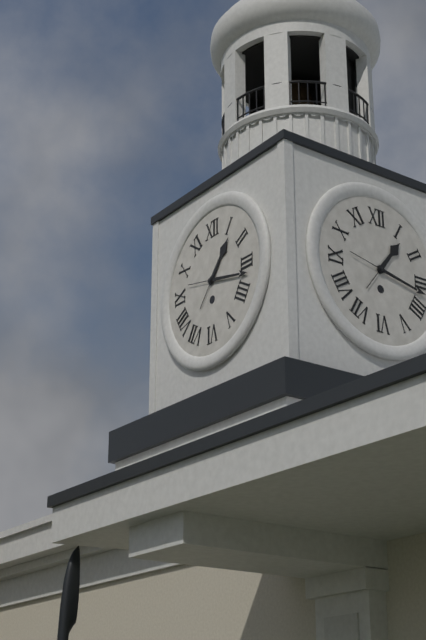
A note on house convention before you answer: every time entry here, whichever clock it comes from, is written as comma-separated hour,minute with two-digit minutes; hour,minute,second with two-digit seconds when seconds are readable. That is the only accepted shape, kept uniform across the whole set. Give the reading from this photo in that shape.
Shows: 1,17
